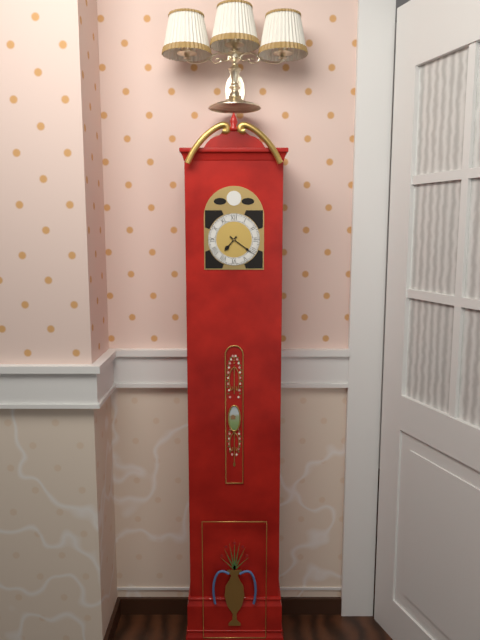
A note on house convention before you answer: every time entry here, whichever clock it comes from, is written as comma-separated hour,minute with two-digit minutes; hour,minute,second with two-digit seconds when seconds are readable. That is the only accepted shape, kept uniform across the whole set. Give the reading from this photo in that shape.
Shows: 7,21
